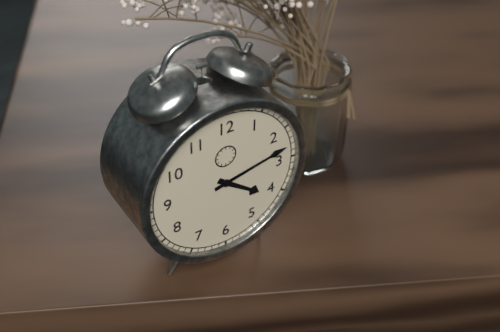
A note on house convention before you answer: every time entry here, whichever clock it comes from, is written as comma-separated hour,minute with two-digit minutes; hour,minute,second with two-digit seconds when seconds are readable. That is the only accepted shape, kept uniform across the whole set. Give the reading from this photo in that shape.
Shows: 4,13
